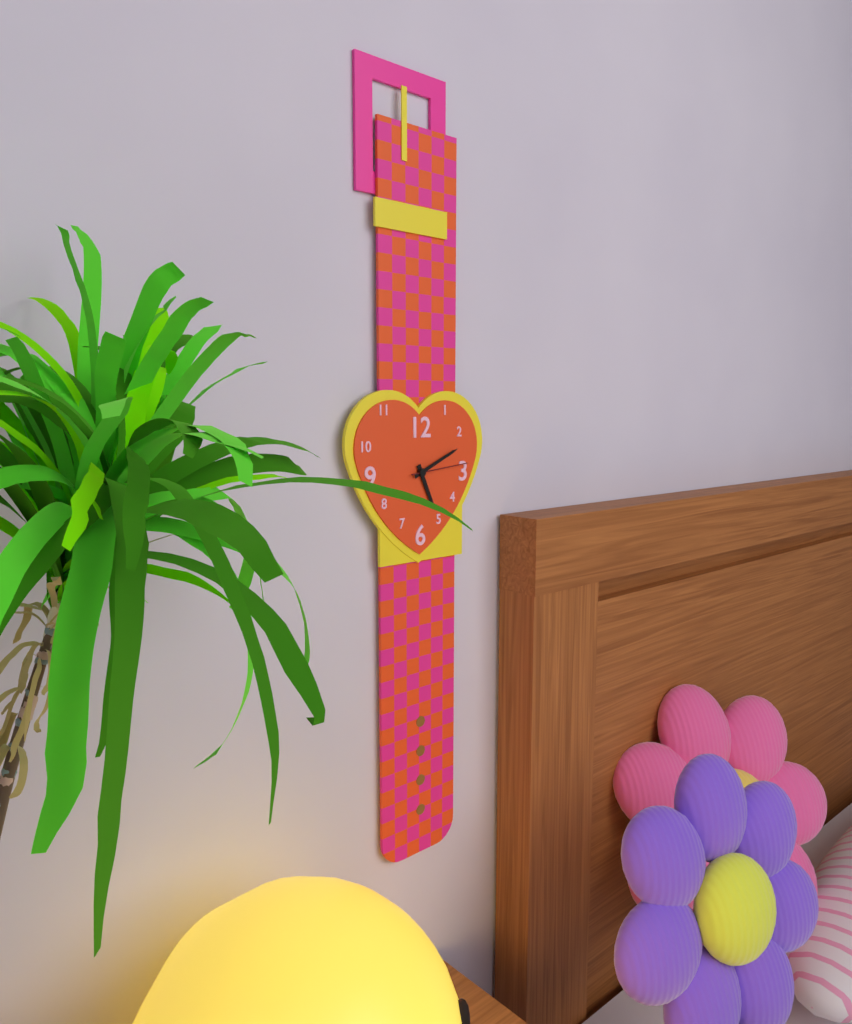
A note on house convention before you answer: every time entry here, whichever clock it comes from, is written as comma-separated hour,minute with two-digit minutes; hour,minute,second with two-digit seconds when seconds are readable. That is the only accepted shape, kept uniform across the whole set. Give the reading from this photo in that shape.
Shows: 5,11,14
